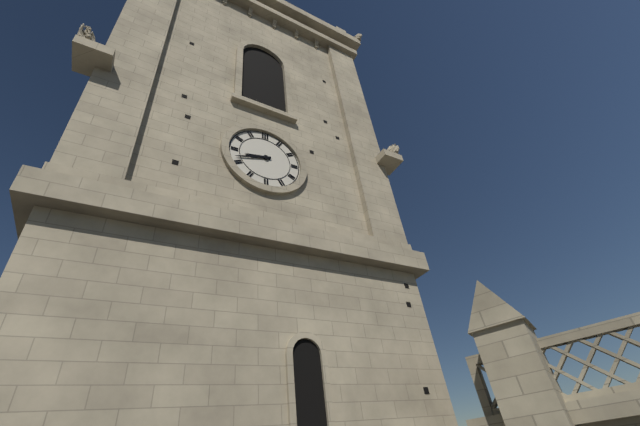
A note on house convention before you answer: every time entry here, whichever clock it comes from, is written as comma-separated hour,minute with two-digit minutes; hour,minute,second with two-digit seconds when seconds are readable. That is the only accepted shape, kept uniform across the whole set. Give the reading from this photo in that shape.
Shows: 8,42
